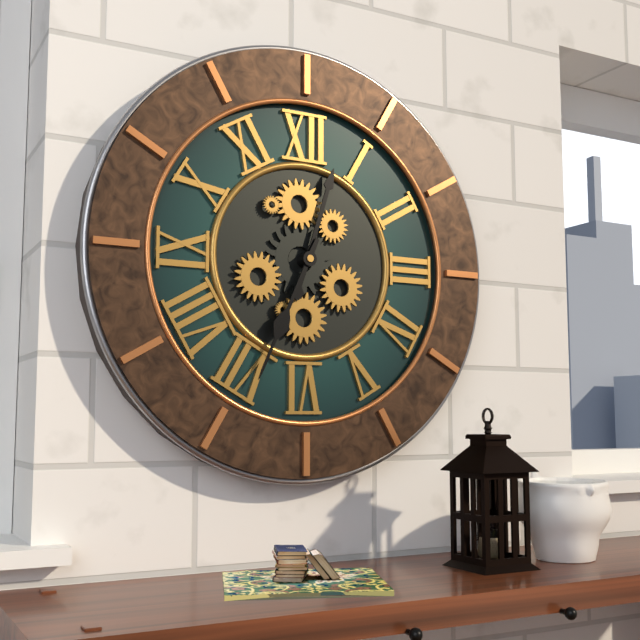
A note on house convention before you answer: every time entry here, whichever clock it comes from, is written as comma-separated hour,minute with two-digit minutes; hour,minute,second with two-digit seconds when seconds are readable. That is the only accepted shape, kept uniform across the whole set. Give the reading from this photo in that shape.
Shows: 12,34
